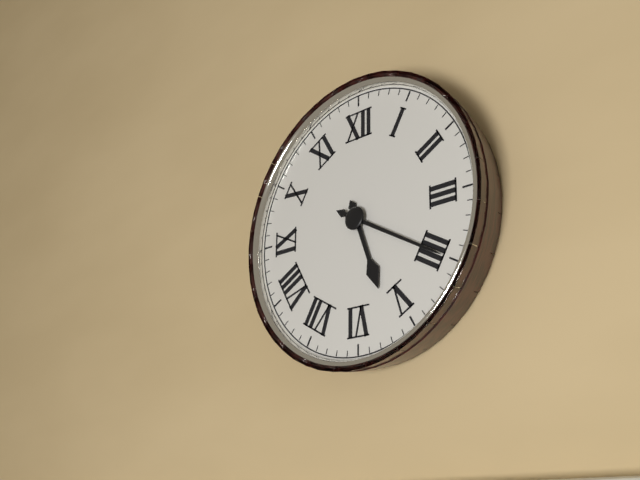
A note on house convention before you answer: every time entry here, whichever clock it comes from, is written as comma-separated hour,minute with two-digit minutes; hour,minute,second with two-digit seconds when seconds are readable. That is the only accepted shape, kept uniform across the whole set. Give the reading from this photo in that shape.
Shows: 5,20
